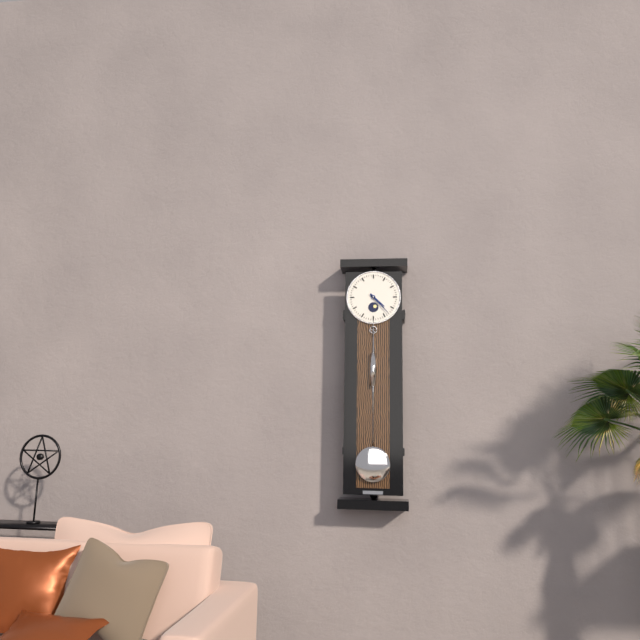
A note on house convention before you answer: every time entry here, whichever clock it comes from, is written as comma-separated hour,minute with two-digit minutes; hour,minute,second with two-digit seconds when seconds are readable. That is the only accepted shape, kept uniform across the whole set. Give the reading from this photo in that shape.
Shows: 4,23
